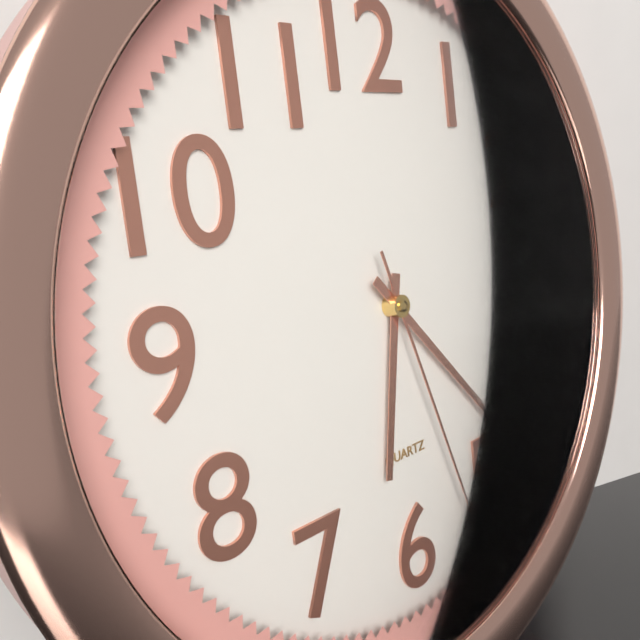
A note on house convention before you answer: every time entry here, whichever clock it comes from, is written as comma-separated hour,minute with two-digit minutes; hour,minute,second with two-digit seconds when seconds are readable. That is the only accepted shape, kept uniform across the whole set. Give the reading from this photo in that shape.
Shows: 6,23,27
